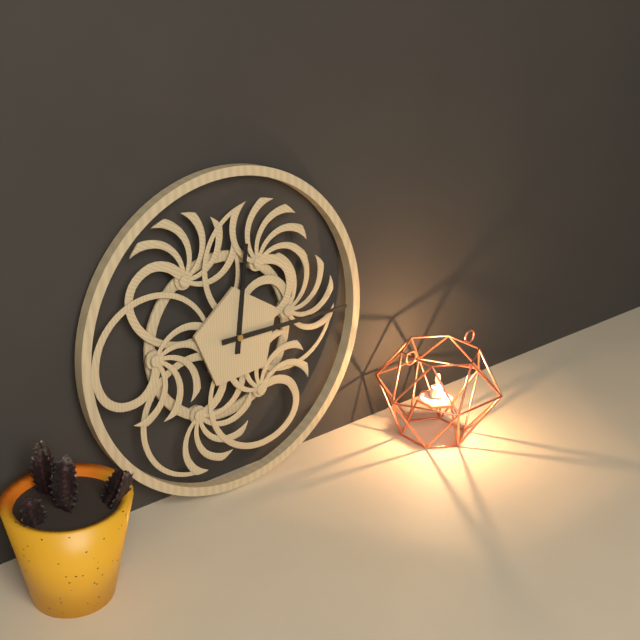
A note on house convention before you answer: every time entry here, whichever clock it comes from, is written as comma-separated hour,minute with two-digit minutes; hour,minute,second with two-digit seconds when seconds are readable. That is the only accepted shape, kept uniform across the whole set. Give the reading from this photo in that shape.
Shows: 12,15
